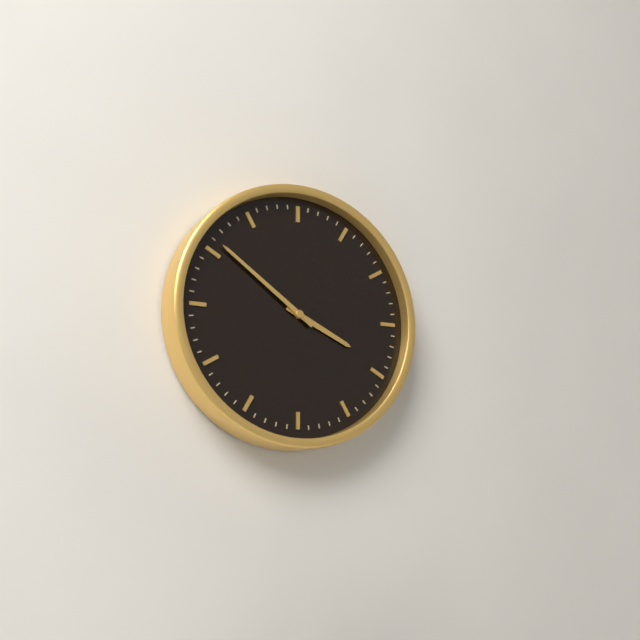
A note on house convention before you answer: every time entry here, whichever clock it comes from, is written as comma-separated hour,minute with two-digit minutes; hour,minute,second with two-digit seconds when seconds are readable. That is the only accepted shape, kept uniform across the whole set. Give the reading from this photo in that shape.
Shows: 3,51
